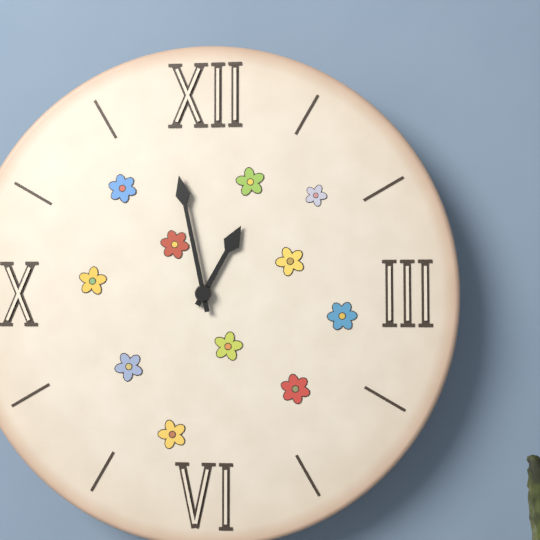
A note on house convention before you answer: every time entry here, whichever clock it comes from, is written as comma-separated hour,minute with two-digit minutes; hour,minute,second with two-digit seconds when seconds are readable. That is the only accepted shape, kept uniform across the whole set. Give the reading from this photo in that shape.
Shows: 12,58
